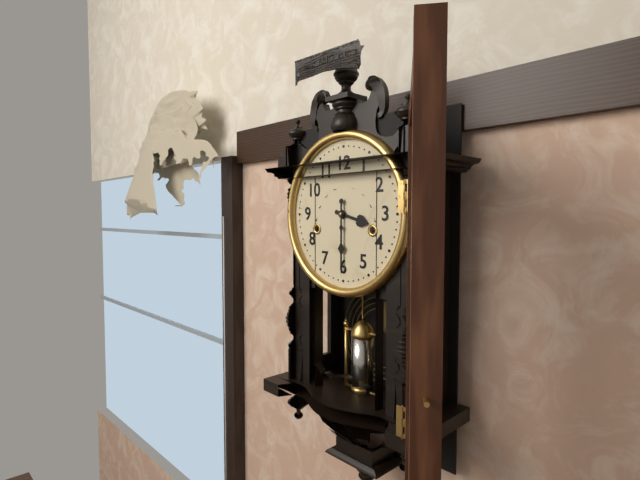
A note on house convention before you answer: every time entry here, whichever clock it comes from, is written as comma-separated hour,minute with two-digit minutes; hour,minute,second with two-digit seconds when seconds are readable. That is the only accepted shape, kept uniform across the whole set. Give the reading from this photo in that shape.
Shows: 3,30
